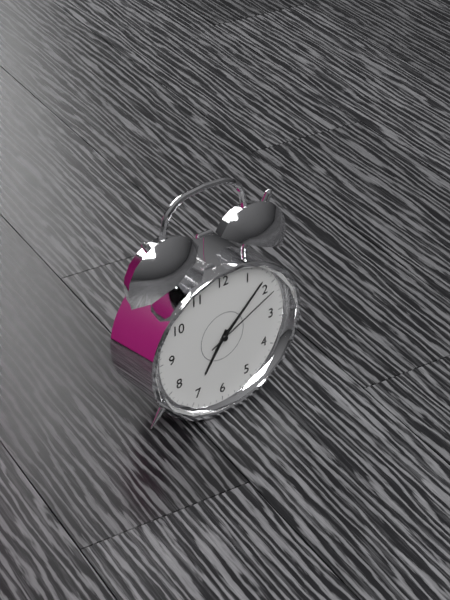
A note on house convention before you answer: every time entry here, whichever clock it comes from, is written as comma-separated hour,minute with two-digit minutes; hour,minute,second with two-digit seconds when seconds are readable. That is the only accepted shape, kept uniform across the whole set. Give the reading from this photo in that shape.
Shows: 7,08,11
